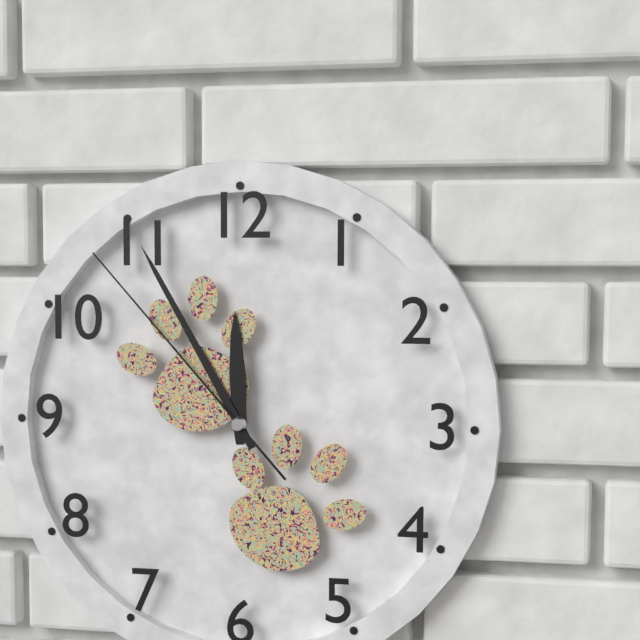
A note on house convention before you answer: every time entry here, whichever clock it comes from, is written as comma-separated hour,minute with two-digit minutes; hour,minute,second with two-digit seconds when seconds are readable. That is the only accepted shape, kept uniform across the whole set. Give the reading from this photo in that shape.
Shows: 11,55,53
